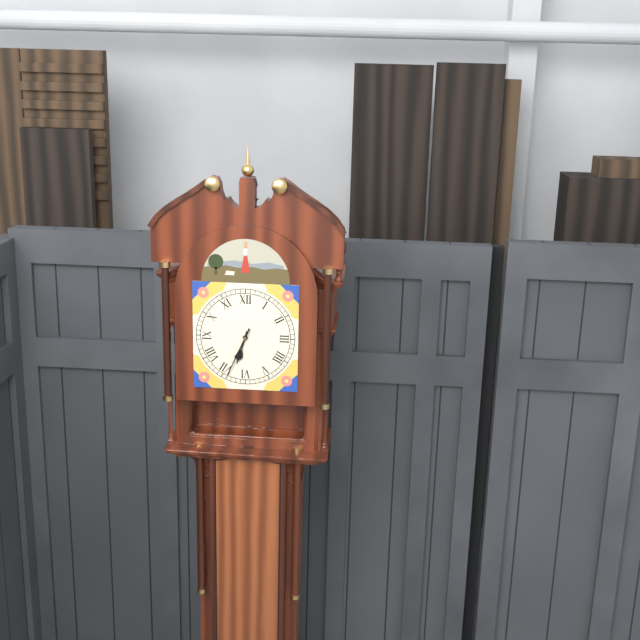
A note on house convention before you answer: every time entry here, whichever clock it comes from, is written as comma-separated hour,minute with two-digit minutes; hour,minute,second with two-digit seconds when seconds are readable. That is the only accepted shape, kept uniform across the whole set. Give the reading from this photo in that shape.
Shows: 6,34
